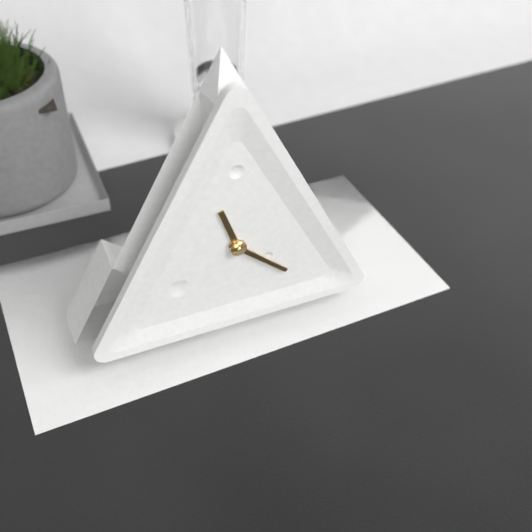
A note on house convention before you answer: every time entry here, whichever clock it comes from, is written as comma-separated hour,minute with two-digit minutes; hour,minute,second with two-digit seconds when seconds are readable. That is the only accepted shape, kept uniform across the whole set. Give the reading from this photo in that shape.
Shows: 11,22
